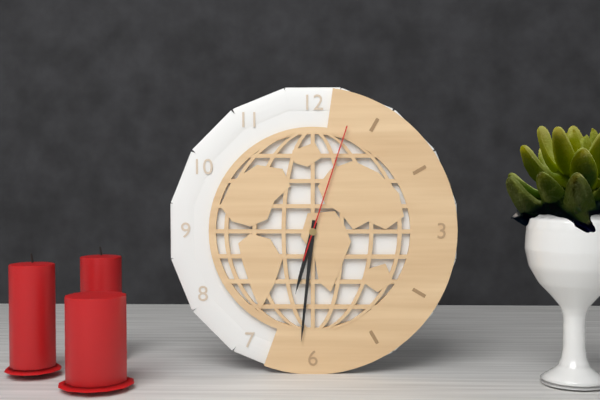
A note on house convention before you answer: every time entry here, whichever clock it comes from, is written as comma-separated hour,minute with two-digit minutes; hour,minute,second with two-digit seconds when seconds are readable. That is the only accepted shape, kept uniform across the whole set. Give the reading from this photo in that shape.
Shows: 6,31,03
